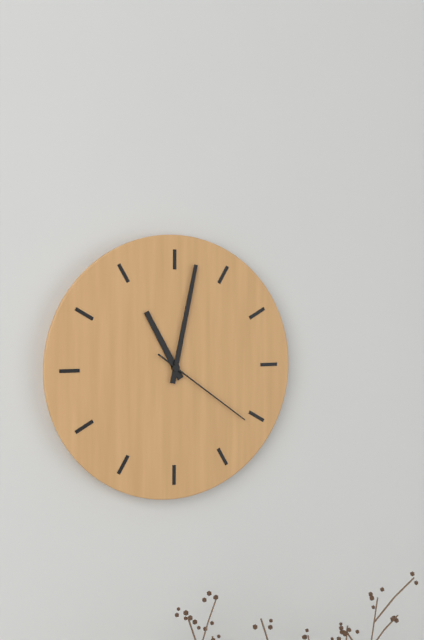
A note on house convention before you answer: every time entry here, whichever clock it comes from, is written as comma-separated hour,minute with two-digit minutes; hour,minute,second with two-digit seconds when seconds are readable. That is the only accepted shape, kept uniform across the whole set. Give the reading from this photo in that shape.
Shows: 11,02,21
